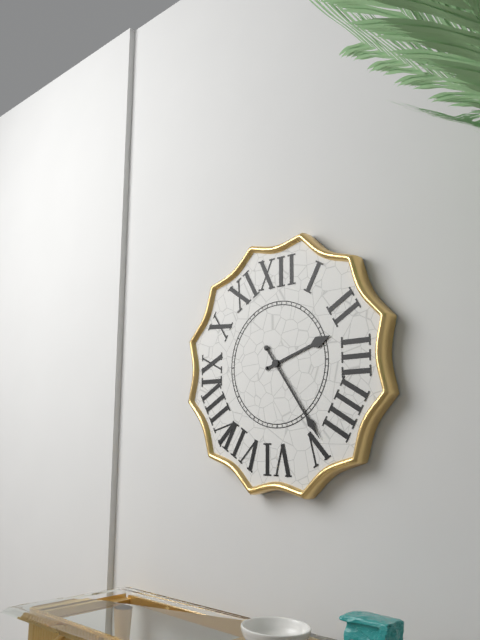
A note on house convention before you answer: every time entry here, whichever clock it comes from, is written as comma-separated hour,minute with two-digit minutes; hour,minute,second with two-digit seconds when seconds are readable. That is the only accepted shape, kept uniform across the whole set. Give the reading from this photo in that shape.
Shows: 2,24
